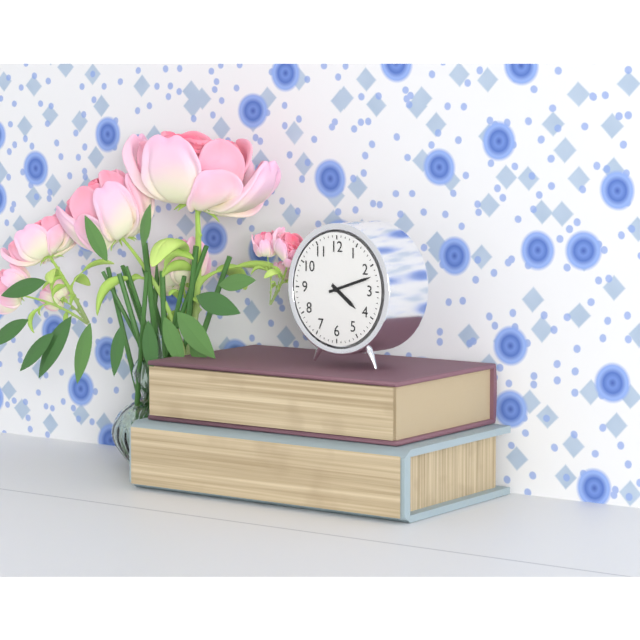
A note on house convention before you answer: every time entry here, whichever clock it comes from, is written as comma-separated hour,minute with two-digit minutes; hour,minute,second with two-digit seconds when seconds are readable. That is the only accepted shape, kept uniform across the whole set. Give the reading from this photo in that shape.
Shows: 4,12
